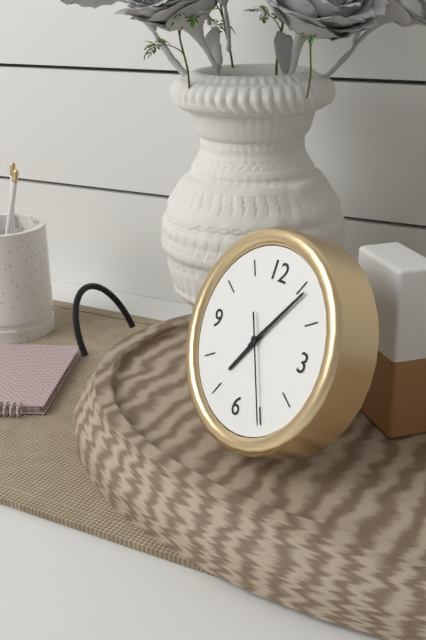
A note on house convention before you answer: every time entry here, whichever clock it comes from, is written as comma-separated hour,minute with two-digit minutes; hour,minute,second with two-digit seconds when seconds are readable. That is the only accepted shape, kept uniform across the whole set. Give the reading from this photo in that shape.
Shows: 7,06,25
